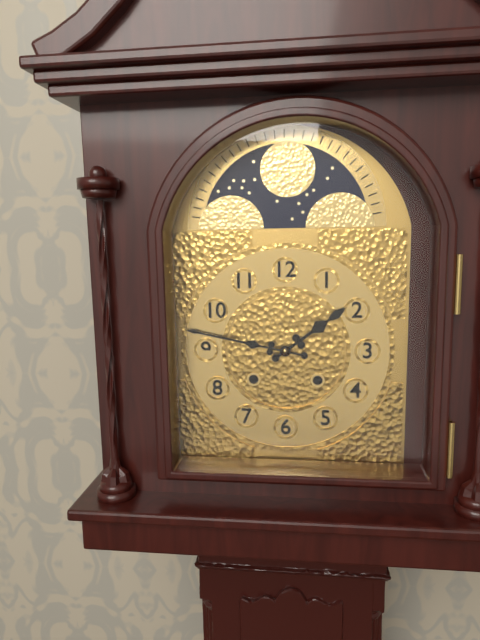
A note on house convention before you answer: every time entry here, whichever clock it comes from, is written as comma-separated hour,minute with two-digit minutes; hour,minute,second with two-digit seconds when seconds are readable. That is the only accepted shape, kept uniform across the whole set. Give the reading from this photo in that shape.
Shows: 1,47
